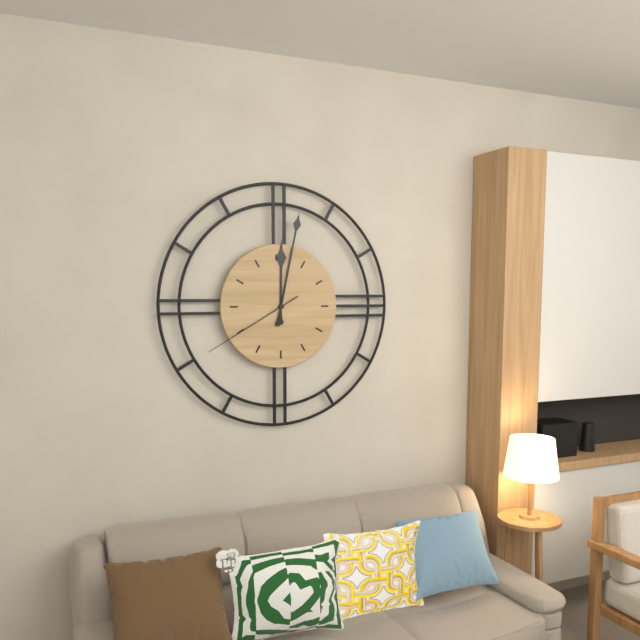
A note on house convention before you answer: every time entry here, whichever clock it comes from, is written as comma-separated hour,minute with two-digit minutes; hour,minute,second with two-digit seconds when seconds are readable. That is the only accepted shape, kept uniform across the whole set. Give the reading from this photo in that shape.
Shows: 12,02,40
